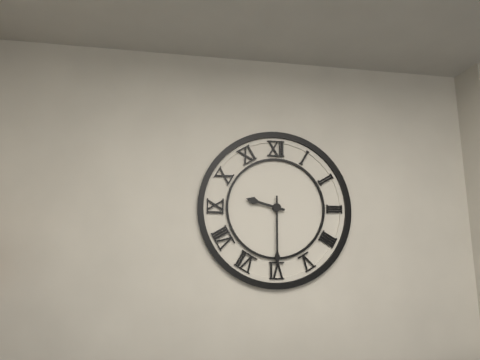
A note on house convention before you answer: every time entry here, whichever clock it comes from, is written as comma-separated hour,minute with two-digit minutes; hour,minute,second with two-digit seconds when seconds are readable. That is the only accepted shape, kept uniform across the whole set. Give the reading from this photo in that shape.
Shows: 9,30
